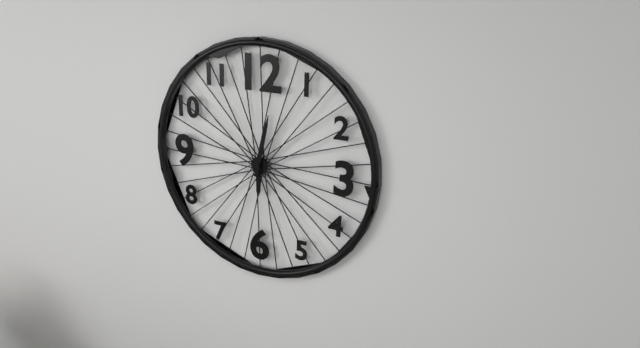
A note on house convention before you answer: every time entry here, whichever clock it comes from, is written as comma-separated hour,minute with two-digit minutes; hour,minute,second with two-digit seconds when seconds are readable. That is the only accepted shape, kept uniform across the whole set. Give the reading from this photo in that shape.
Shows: 6,02
